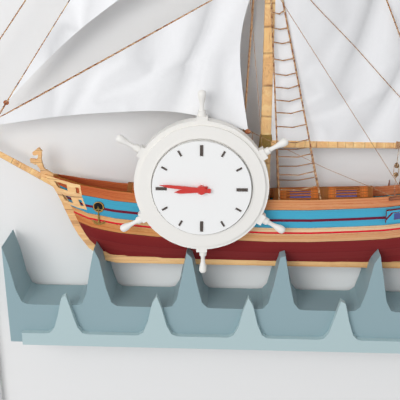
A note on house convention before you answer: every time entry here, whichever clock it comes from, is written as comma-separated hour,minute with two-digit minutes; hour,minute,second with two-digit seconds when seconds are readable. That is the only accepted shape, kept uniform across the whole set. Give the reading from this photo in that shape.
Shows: 8,46
